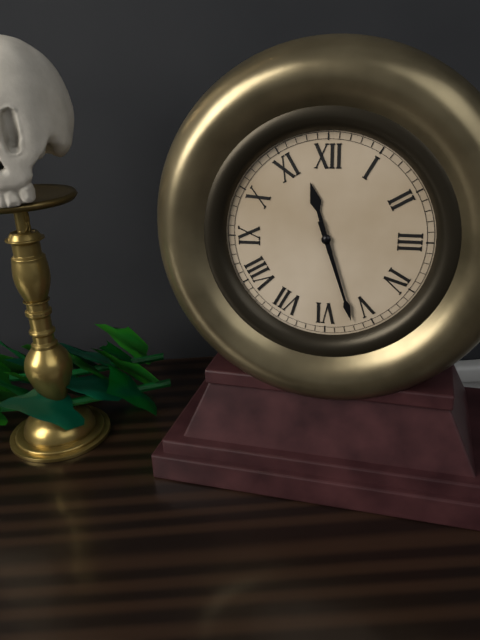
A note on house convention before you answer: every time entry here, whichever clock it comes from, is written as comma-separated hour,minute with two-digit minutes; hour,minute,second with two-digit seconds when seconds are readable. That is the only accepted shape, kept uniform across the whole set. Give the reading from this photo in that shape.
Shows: 11,27
